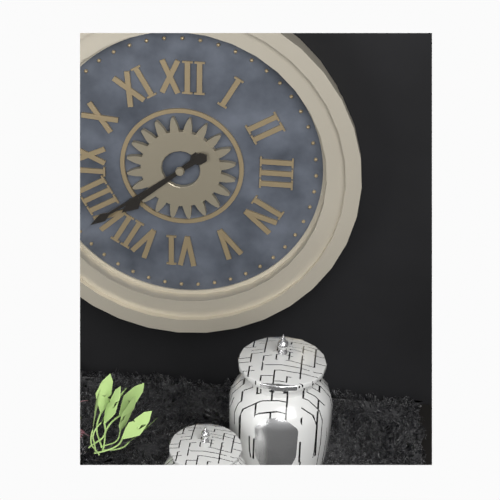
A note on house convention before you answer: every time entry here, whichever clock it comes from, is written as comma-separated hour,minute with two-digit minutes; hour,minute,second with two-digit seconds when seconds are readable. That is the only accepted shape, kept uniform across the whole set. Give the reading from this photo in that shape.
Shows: 7,39
